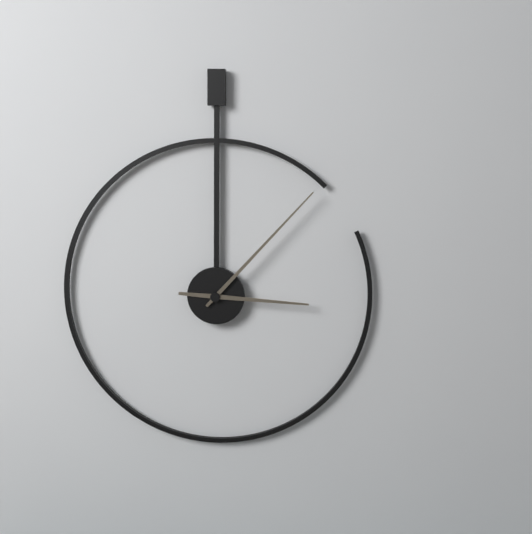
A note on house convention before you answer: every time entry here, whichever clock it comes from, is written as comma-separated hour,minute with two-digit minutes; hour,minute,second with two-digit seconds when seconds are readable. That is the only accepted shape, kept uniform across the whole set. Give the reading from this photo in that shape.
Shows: 3,07
